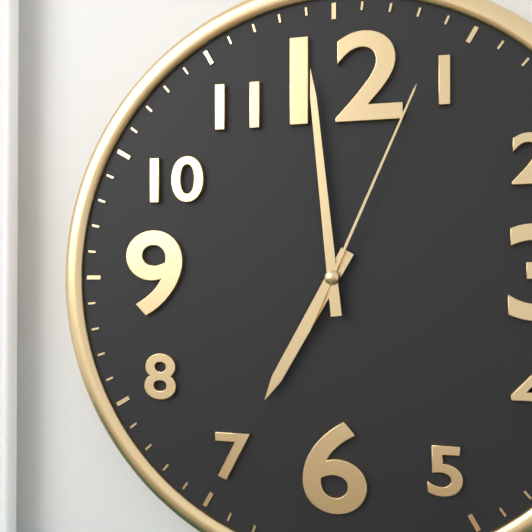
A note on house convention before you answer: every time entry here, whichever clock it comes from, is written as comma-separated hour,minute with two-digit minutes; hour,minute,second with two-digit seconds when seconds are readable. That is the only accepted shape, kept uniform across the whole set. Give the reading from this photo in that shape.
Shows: 6,59,04
